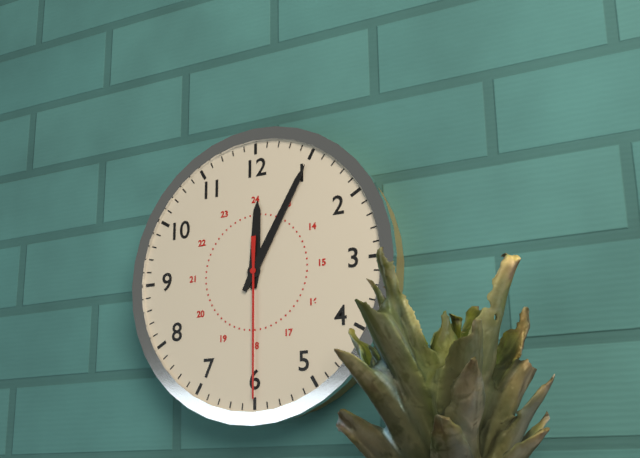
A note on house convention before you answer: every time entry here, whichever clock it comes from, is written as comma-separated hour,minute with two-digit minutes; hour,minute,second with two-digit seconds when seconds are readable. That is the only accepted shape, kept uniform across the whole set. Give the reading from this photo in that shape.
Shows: 12,05,30
